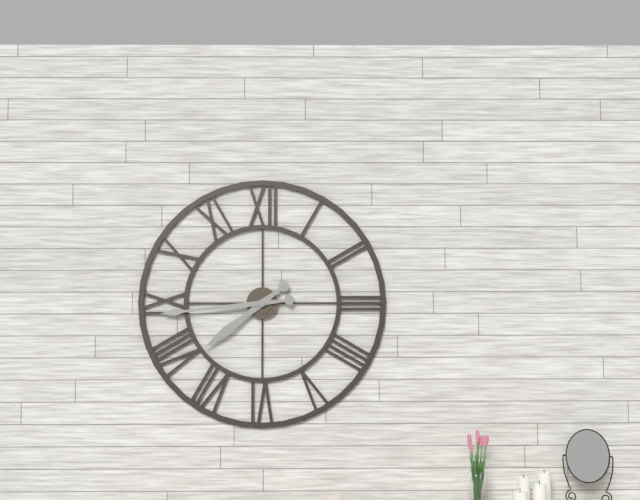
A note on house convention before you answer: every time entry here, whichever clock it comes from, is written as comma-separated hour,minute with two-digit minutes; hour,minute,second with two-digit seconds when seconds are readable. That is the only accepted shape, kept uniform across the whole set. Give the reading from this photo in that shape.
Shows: 7,44
